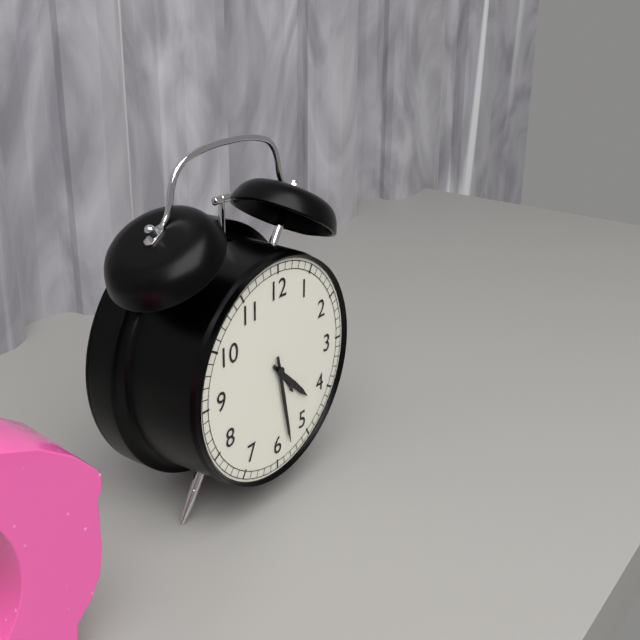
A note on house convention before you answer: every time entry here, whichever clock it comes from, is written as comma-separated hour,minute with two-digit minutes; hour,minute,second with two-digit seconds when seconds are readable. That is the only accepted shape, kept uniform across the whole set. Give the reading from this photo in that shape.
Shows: 4,28
